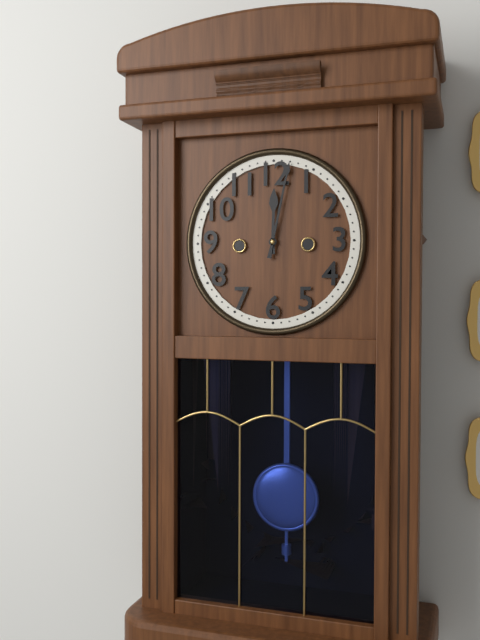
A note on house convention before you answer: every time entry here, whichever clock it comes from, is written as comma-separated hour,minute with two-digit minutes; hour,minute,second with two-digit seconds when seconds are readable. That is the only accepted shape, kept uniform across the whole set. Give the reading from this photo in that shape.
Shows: 12,02
